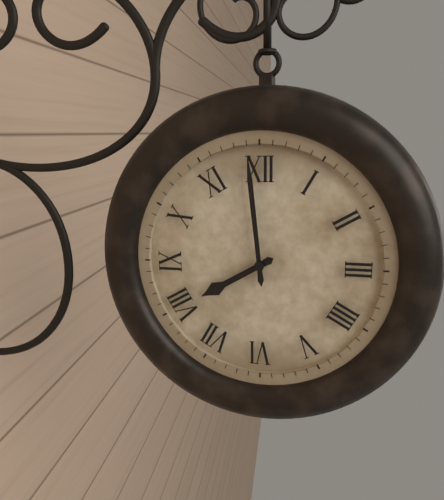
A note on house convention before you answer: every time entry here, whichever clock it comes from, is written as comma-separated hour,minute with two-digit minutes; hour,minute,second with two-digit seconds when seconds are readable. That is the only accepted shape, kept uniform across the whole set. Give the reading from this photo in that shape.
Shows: 7,59
